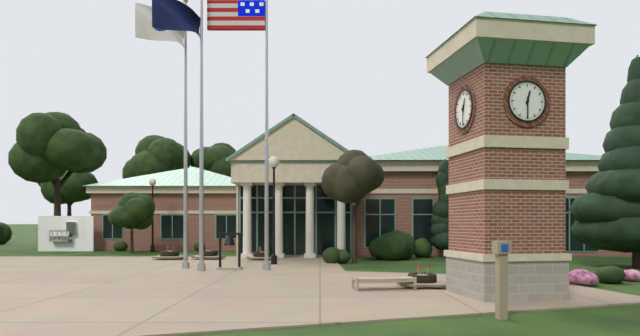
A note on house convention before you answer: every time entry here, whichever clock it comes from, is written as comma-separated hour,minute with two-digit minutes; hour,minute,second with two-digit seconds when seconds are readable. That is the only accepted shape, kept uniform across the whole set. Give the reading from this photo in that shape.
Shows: 12,30
